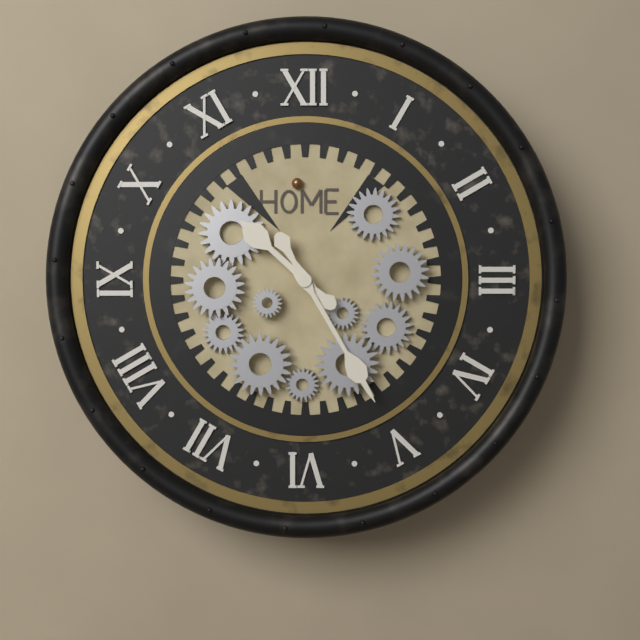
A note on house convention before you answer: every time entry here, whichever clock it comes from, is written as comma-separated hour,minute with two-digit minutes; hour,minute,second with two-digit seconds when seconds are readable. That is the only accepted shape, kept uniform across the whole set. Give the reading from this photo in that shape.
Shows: 10,25
